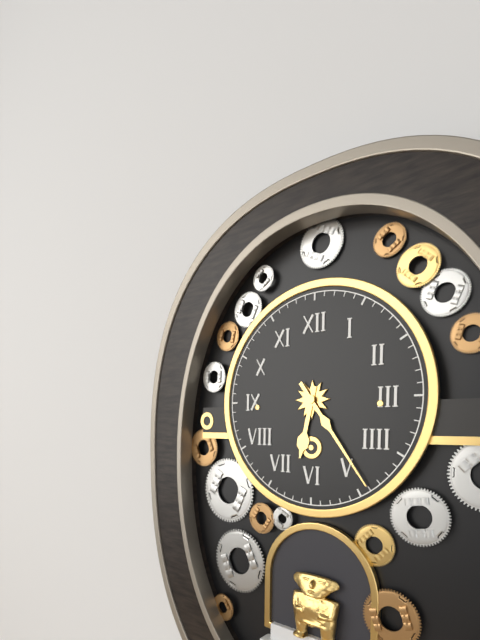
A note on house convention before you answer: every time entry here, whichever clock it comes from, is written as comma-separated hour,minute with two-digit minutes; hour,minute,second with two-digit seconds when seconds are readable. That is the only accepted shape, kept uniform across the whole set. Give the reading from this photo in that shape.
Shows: 6,24
